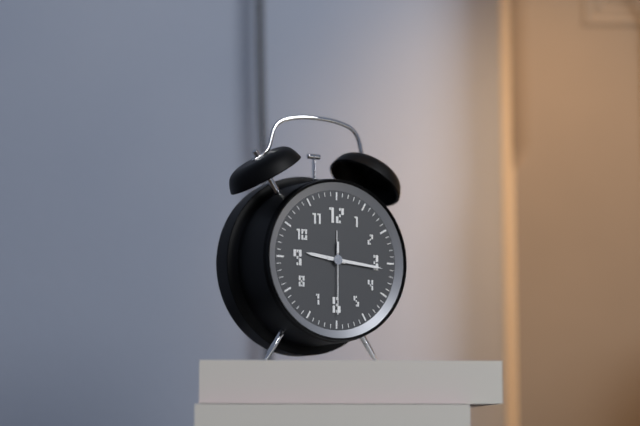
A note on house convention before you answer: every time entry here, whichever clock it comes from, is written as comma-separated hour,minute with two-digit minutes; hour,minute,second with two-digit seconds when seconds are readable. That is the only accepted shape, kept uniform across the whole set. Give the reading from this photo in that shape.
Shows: 9,16,30
